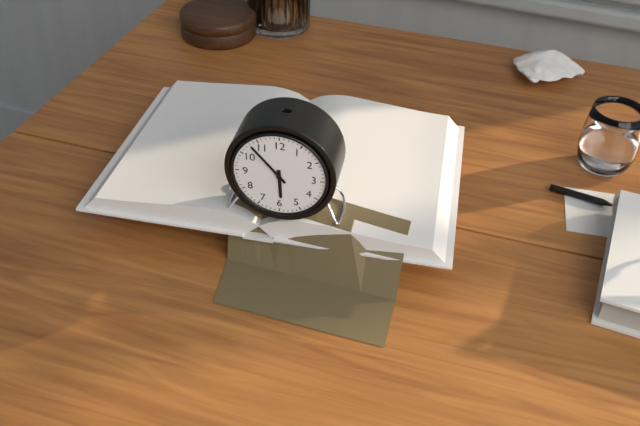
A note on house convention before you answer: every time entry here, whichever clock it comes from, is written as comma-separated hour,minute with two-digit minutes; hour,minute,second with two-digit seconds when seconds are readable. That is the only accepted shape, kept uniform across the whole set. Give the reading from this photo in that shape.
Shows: 5,53
